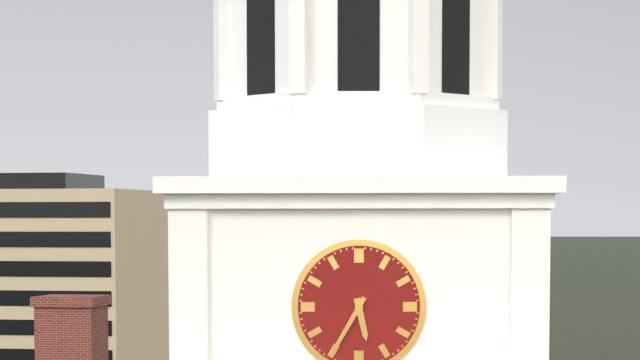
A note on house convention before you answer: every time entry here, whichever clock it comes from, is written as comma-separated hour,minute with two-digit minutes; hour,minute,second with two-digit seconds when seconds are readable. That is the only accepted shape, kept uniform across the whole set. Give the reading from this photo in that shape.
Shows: 5,35
